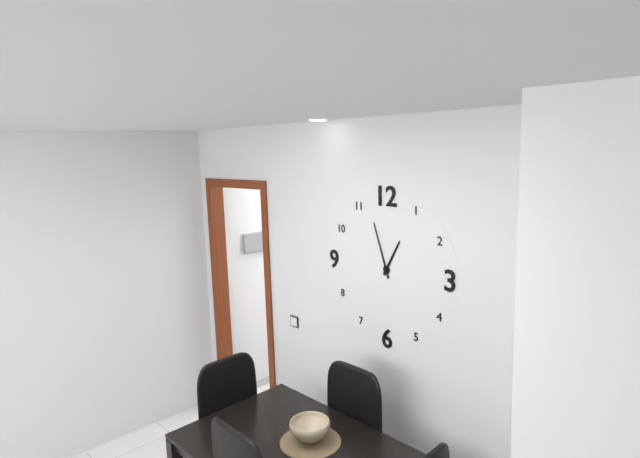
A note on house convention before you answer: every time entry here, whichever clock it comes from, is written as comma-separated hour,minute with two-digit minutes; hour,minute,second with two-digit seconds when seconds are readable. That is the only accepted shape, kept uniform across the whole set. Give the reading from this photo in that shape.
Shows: 12,57
